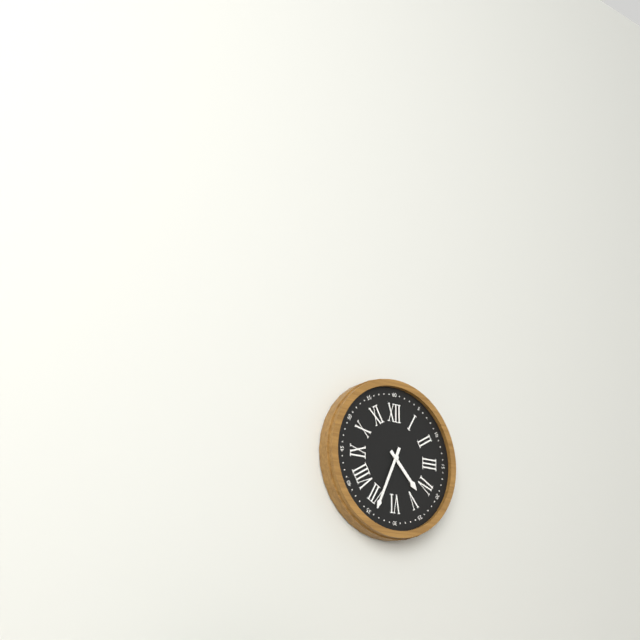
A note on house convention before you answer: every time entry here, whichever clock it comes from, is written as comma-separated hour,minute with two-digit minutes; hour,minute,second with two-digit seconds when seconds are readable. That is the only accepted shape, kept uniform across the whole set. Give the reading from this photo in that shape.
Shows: 4,34
